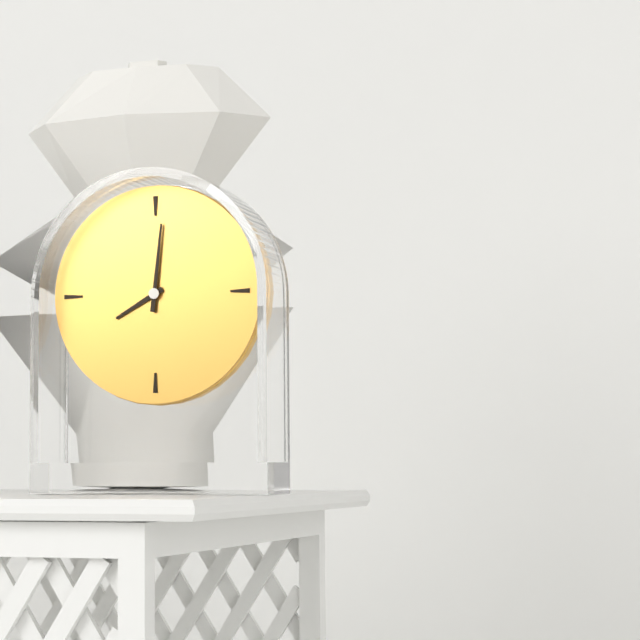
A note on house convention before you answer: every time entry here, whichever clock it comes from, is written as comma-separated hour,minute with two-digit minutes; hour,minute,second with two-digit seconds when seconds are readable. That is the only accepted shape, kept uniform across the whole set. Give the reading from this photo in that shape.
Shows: 8,01
